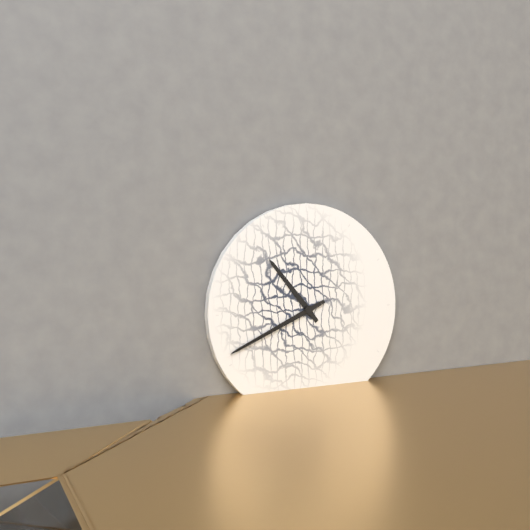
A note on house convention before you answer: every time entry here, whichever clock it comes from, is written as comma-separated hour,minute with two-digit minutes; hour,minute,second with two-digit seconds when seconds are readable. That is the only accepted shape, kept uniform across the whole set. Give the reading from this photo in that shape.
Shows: 10,41
